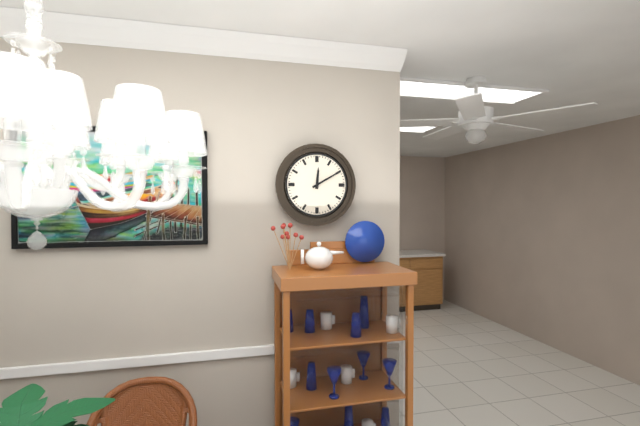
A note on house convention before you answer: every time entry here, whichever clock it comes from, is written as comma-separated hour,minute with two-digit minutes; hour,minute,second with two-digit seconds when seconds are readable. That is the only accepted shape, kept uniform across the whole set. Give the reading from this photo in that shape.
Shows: 12,10
